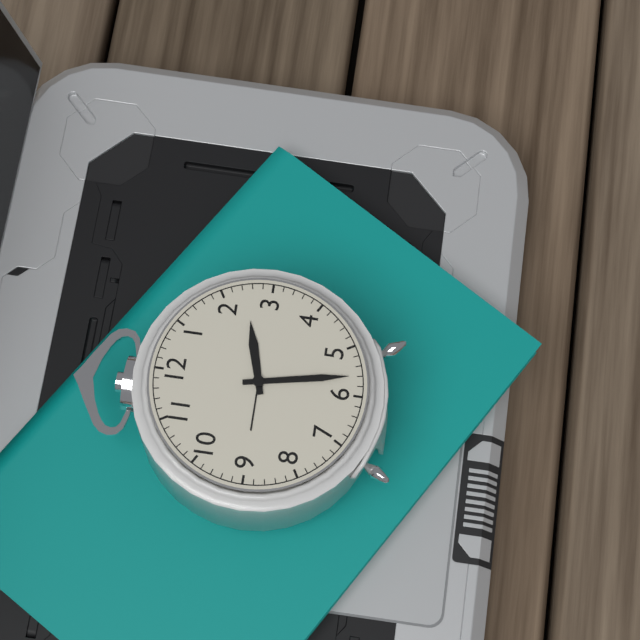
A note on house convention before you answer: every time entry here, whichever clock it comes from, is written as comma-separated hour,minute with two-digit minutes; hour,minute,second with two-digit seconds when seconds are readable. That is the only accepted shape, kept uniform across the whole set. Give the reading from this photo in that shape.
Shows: 2,28
